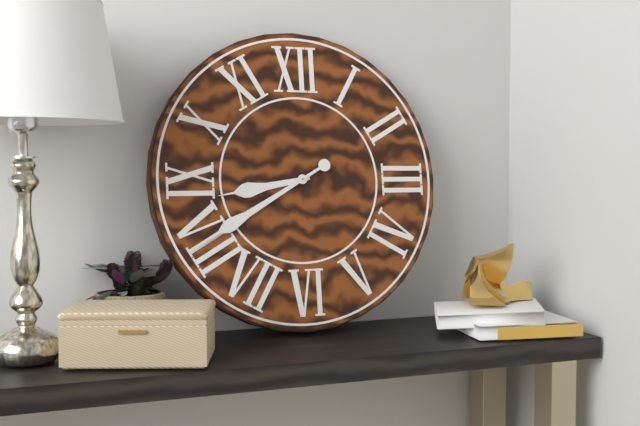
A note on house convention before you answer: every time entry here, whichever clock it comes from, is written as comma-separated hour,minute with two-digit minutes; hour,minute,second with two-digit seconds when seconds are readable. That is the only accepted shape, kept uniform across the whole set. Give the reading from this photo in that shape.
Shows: 8,40
